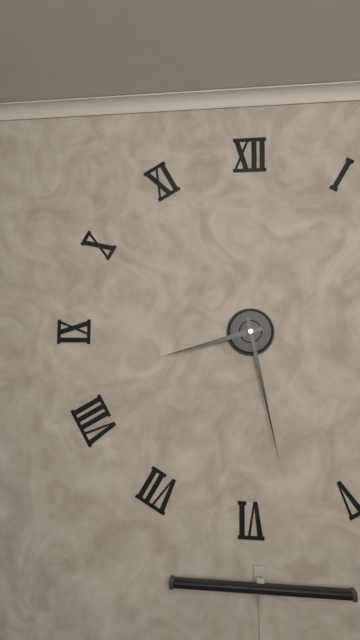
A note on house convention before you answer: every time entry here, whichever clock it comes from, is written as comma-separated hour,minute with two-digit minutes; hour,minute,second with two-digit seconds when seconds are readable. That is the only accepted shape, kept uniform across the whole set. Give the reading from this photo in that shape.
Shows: 8,28
